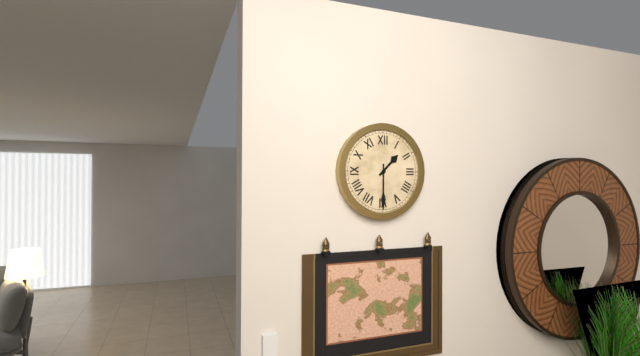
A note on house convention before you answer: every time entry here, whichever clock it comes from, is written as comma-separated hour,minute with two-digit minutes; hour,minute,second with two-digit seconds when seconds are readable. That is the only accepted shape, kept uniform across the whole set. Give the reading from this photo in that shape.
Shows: 1,30
